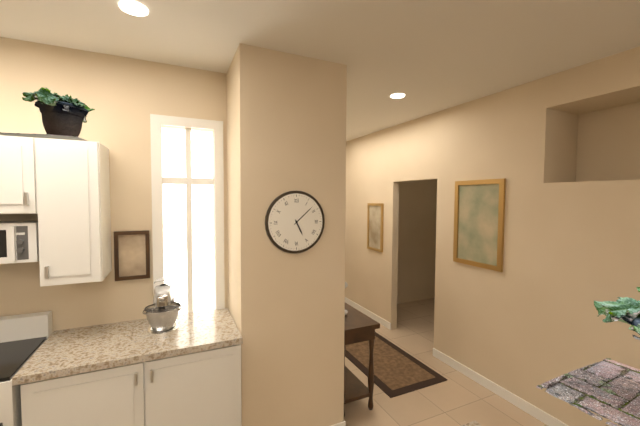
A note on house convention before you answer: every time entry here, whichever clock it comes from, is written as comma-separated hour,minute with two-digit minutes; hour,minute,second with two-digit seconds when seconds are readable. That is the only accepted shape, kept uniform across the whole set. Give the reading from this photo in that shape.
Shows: 5,08
